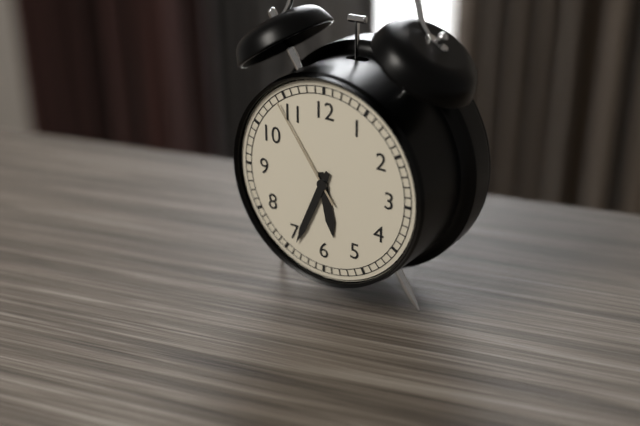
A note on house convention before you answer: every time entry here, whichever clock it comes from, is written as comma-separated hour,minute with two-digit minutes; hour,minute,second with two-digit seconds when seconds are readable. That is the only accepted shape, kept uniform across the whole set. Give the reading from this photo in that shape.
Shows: 5,34,54
